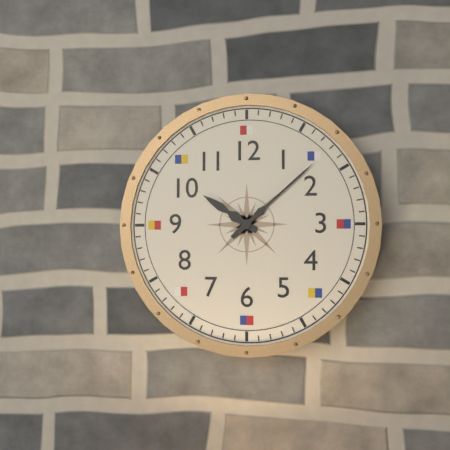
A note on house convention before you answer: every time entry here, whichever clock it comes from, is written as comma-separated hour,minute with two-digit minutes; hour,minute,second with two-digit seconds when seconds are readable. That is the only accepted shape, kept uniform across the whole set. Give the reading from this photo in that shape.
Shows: 10,08
